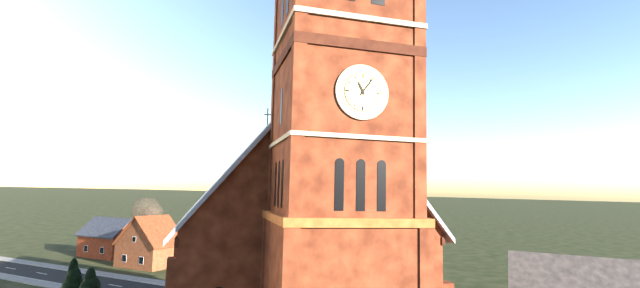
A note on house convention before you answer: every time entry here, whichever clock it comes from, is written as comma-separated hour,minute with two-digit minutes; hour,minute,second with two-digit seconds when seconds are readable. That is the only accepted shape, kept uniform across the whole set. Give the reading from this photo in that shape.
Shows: 11,06
